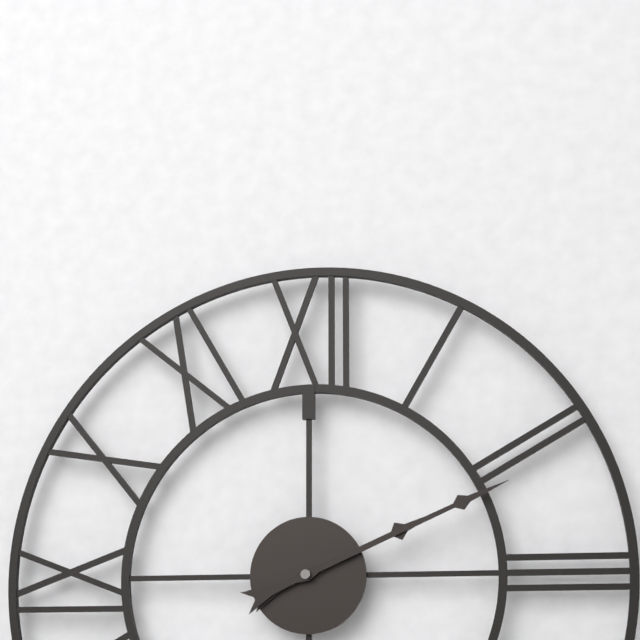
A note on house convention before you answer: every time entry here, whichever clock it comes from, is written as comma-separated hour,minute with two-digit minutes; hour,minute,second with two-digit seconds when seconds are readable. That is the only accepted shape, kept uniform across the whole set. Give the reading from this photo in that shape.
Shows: 2,11
